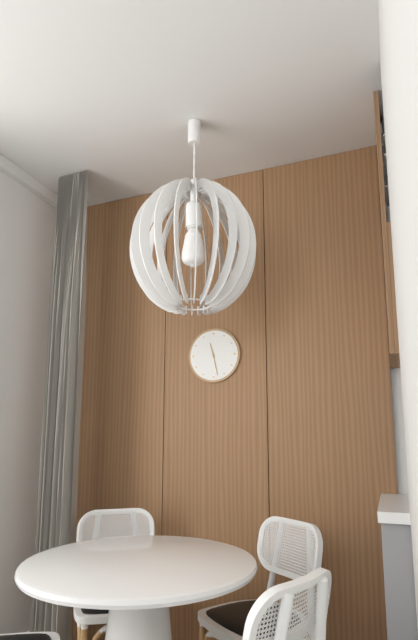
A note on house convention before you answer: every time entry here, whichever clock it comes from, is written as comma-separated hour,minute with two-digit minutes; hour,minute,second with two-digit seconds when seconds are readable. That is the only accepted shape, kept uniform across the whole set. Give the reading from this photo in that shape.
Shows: 11,28
